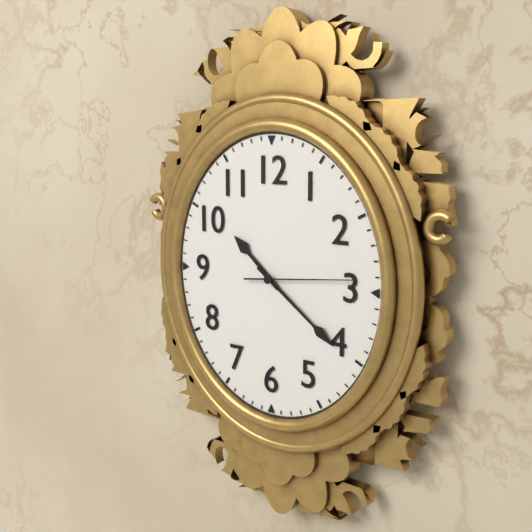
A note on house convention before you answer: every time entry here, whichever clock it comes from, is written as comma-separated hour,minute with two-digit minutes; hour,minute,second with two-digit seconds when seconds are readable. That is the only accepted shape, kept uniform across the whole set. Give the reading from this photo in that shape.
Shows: 10,21,14
